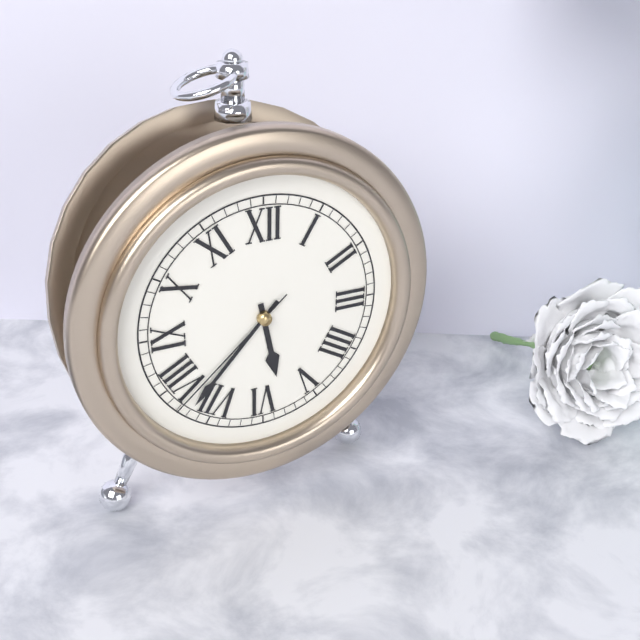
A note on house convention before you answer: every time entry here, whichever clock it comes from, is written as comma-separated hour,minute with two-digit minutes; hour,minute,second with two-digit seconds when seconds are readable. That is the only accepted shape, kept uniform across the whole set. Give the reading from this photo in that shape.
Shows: 5,37,38
